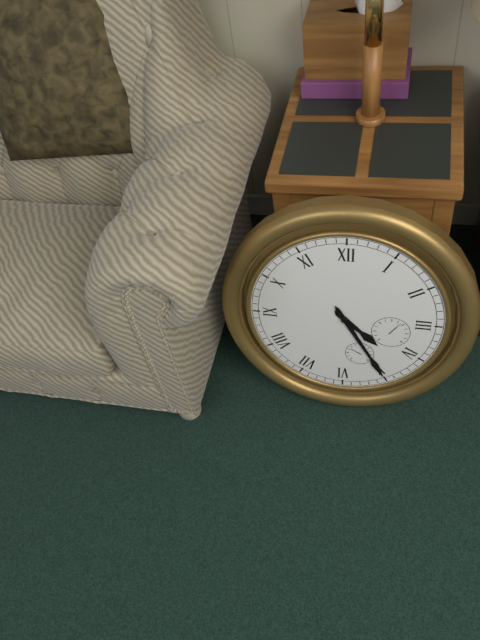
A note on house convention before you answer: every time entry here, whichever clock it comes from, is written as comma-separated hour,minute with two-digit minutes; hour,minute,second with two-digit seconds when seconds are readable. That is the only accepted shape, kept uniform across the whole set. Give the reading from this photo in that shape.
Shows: 4,25
